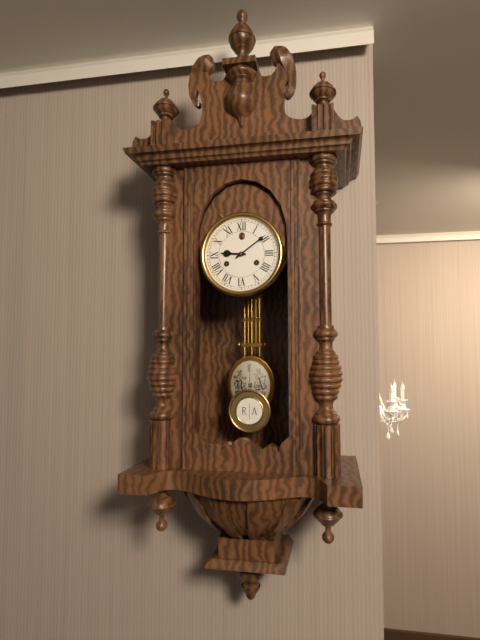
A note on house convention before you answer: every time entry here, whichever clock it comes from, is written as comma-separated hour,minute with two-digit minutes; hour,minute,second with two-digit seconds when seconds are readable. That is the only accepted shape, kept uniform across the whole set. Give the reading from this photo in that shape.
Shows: 9,09
